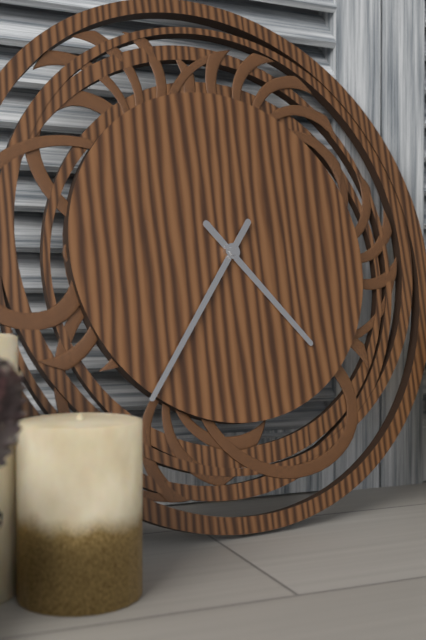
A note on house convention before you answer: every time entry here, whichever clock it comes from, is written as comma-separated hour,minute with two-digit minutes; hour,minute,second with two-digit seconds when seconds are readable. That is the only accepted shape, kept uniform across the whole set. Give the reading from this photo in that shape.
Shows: 4,36
